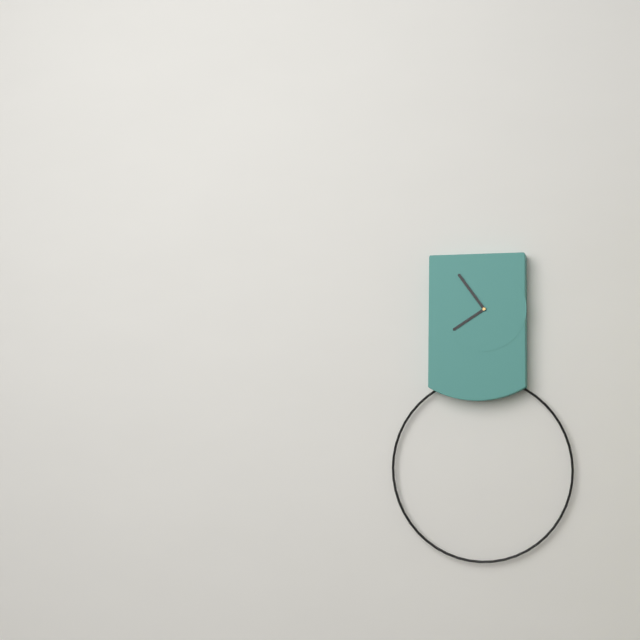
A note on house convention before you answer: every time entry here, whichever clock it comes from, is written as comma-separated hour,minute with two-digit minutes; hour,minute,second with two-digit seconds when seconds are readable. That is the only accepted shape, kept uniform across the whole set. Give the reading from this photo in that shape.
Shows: 7,54
